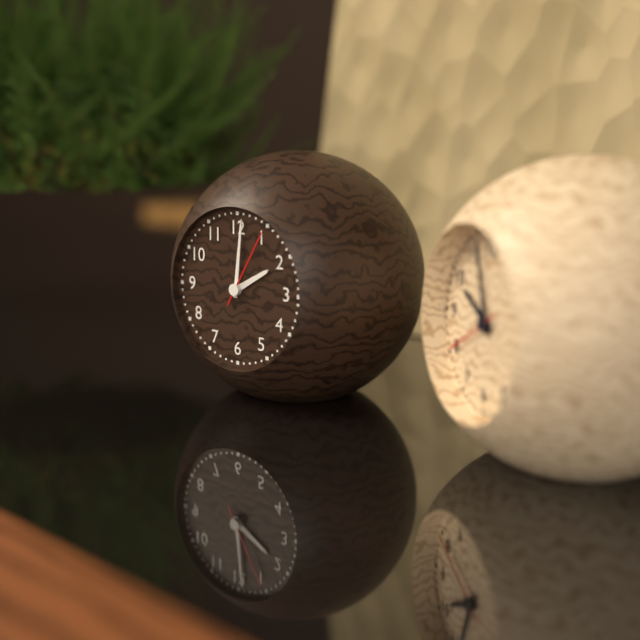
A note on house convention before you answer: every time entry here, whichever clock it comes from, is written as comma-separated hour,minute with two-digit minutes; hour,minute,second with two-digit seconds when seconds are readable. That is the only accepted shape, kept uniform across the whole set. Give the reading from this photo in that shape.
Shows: 2,01,05
